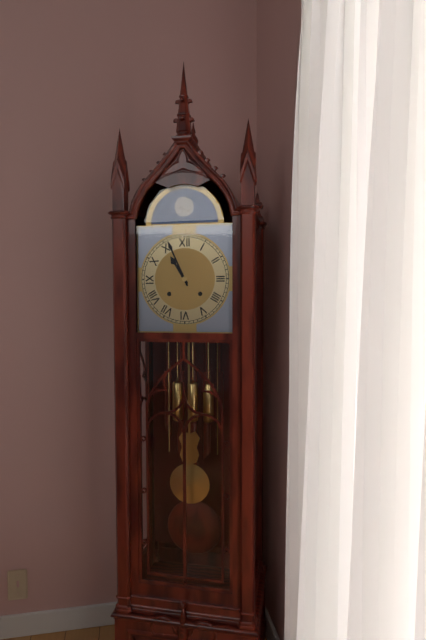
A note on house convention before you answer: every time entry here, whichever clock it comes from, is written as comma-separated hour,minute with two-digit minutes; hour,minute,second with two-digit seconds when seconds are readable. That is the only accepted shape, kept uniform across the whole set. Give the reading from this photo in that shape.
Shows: 10,56
